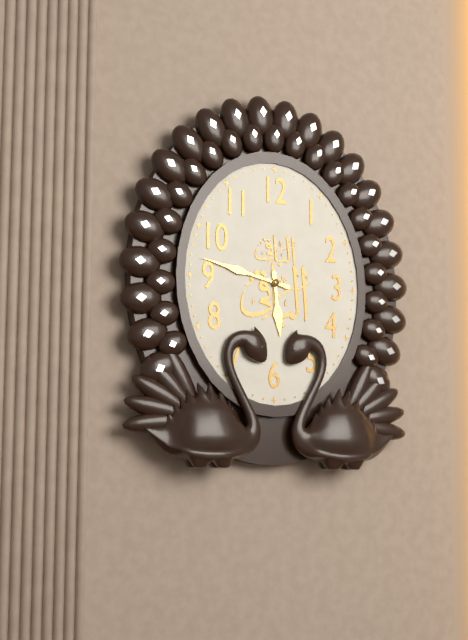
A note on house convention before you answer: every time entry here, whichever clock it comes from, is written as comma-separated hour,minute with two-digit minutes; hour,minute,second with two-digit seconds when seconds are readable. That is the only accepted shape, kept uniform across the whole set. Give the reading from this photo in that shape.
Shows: 5,47
